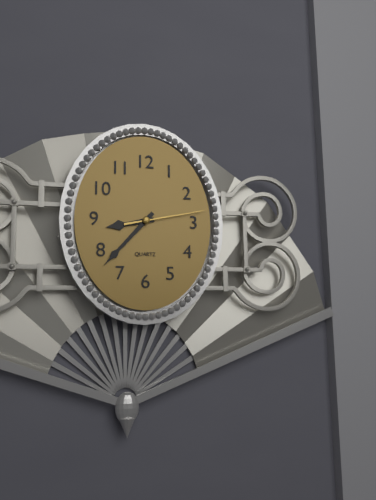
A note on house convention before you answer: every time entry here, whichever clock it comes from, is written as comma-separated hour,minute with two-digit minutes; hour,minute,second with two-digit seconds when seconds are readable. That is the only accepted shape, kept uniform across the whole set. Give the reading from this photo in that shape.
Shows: 8,37,13
